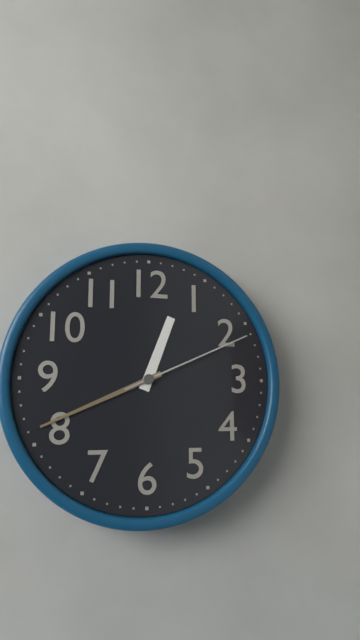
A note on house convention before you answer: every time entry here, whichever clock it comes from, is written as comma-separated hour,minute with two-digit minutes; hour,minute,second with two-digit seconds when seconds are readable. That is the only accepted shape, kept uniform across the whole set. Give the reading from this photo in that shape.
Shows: 12,41,11
